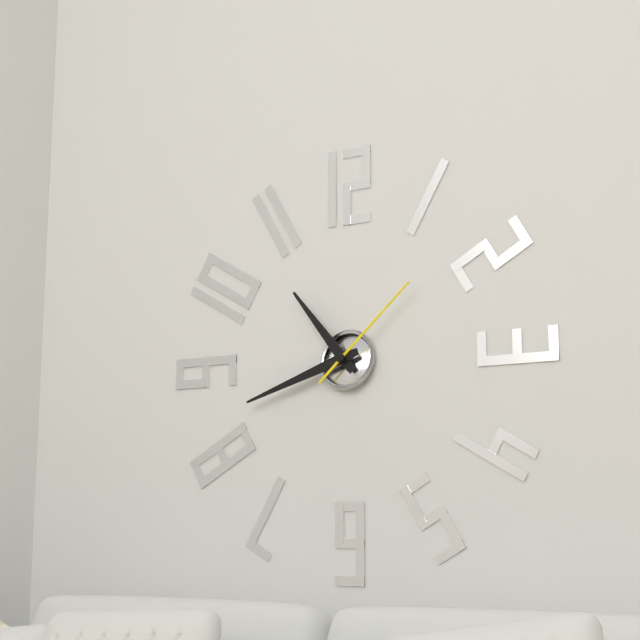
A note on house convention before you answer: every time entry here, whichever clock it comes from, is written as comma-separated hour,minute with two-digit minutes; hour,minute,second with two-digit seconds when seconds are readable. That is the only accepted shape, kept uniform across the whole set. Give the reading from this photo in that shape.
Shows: 10,42,08
